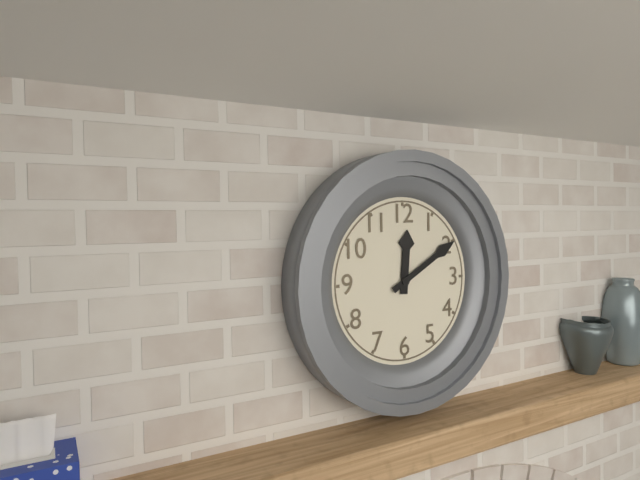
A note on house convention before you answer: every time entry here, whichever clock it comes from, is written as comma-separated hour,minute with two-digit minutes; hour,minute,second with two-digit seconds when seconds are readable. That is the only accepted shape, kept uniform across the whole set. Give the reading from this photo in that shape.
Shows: 12,10
